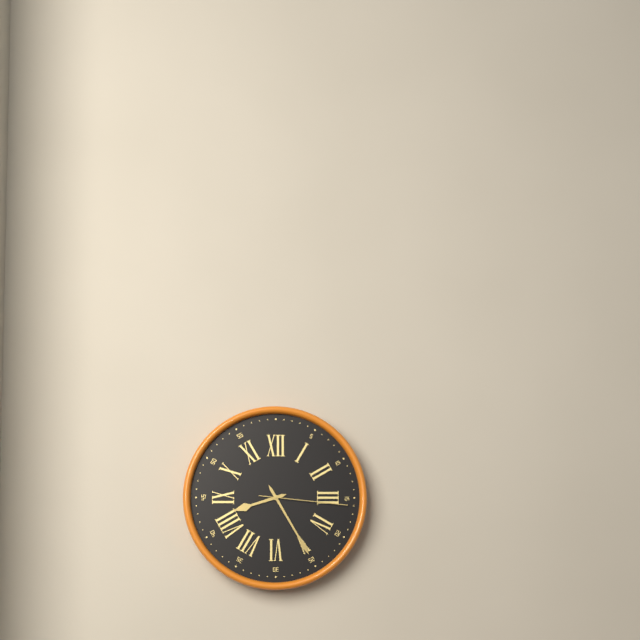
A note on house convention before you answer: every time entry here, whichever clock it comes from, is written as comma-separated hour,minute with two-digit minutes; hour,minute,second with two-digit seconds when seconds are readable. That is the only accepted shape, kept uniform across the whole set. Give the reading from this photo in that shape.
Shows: 8,25,16
